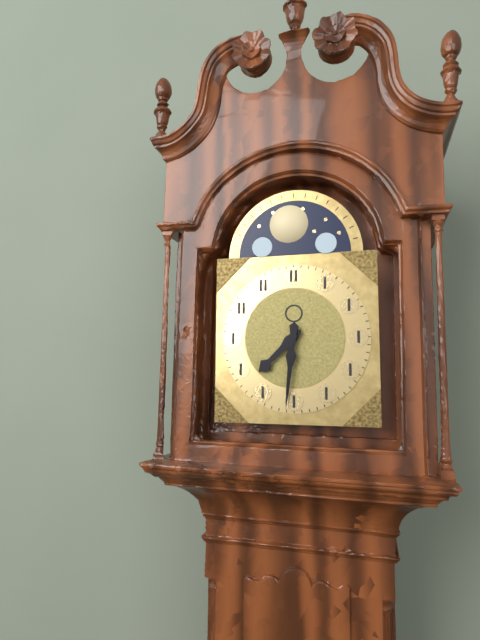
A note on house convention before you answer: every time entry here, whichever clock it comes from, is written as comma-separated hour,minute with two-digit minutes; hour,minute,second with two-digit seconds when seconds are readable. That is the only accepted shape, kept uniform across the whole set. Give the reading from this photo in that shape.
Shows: 7,31
